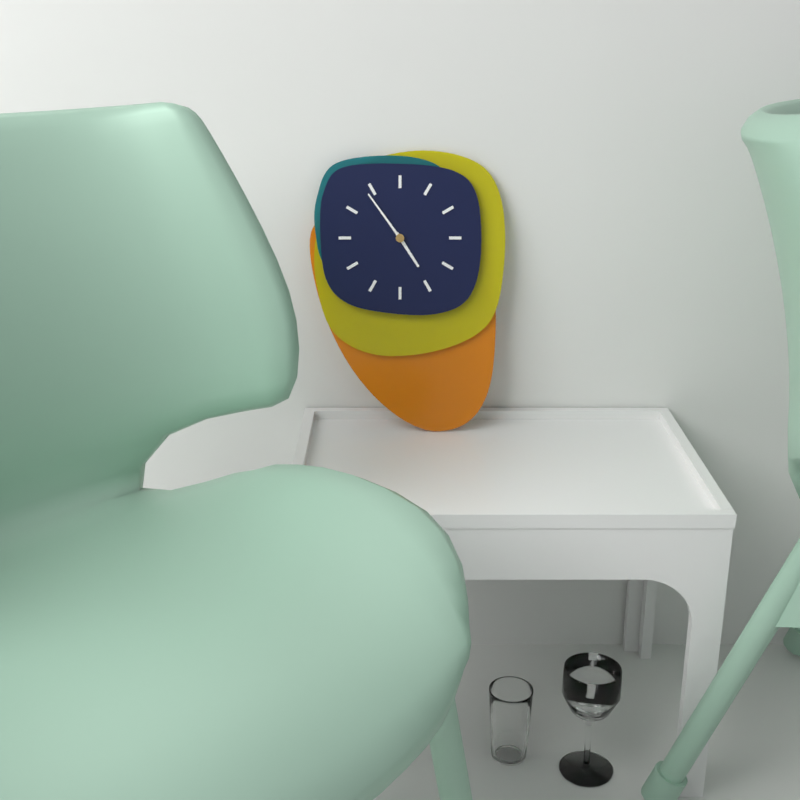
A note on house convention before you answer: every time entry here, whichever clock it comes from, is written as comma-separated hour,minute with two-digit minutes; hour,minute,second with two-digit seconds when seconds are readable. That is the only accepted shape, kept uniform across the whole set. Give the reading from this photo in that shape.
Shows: 4,54
